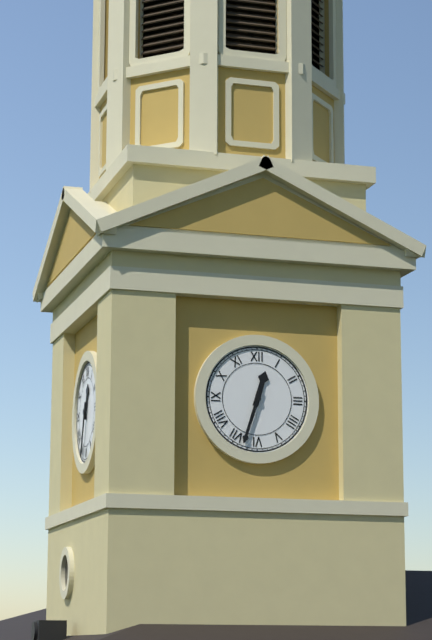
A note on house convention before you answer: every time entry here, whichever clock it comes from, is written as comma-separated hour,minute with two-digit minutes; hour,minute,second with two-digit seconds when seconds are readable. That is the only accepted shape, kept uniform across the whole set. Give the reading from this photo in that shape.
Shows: 12,33
